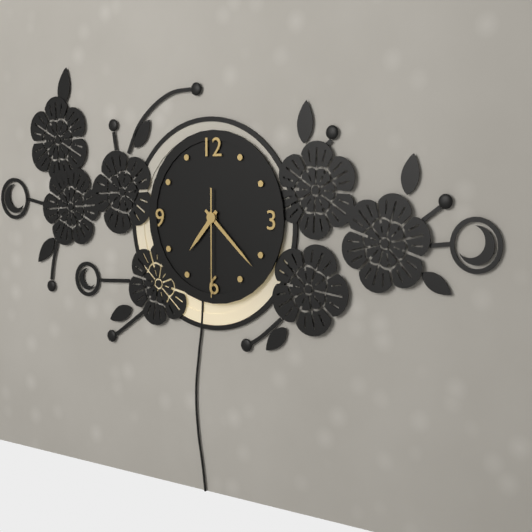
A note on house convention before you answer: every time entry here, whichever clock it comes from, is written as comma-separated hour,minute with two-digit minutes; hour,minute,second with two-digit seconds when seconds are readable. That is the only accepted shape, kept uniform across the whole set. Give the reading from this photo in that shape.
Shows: 7,22,30
